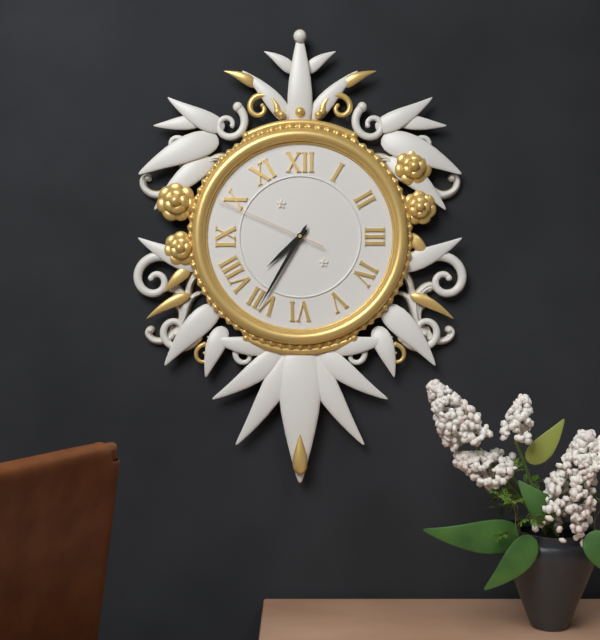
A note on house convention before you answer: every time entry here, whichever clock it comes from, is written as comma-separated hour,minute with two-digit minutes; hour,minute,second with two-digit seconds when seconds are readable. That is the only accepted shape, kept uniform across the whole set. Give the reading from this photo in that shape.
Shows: 7,35,49
